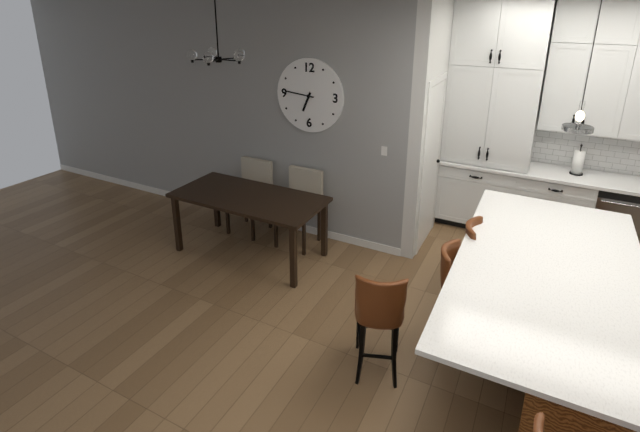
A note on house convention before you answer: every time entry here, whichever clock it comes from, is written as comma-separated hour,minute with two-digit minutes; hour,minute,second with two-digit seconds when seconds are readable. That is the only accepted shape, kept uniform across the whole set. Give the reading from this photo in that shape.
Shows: 6,46
